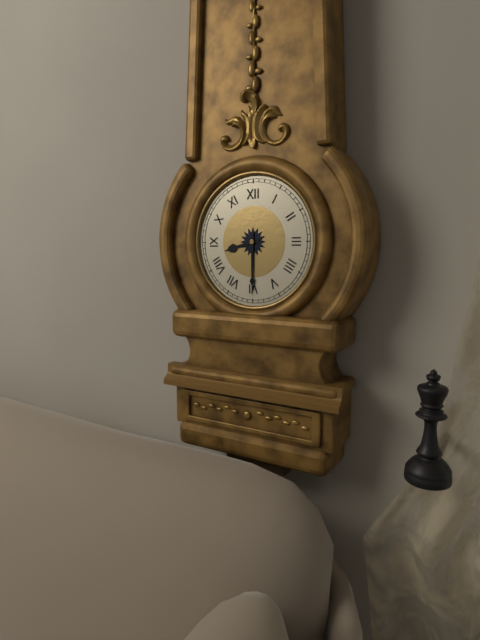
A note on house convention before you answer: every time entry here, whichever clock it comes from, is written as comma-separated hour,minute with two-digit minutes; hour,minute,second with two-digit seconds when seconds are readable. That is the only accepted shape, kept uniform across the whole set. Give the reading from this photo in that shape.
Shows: 8,30
